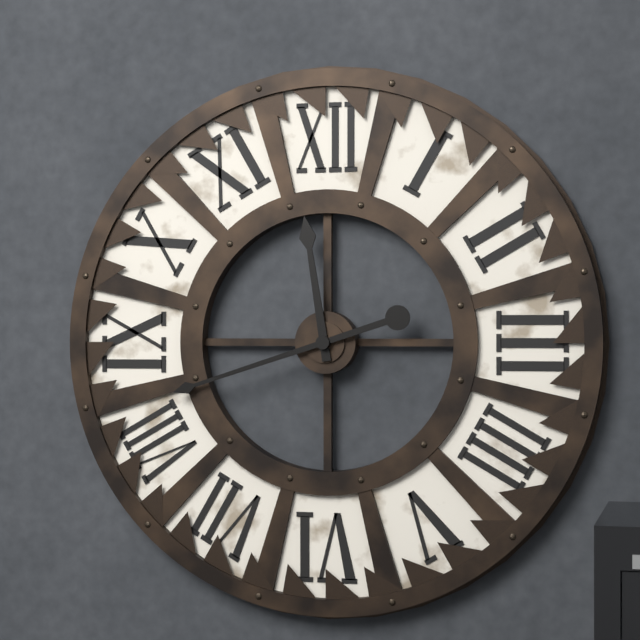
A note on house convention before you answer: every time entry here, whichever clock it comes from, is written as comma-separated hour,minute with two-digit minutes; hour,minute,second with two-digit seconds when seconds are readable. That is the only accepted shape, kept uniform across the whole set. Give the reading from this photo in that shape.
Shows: 11,42
